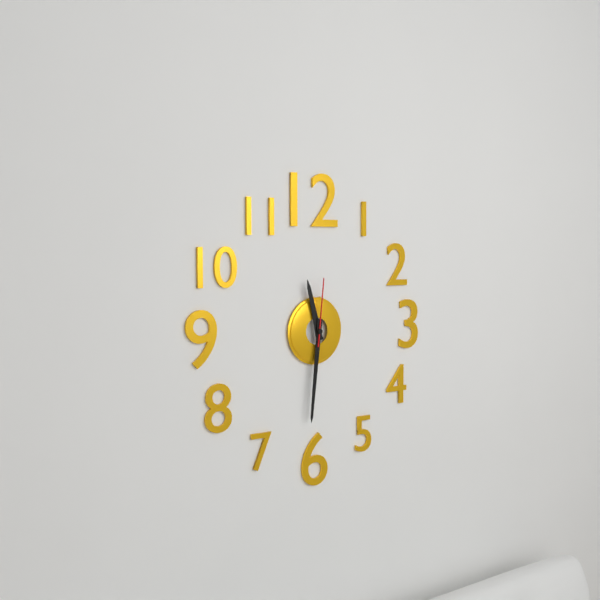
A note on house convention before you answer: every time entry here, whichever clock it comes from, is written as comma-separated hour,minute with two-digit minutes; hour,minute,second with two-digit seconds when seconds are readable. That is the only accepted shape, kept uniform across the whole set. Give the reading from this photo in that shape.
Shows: 11,31,01
